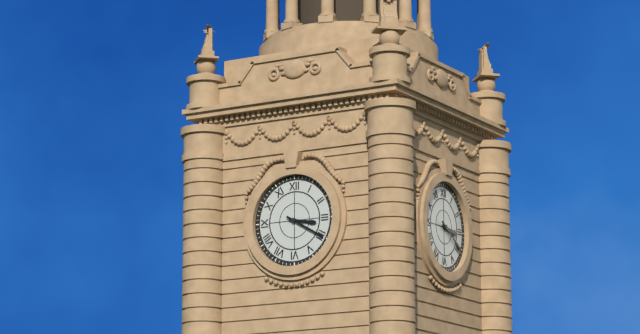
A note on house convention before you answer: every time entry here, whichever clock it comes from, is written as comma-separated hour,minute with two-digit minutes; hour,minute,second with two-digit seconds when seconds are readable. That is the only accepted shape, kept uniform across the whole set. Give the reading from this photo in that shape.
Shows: 3,20
